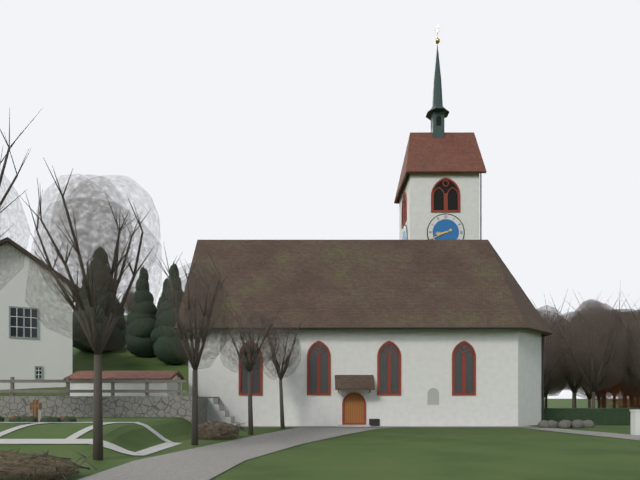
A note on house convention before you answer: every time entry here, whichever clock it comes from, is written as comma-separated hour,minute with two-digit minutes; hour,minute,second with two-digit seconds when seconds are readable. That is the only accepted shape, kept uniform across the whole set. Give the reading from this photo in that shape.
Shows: 8,41
